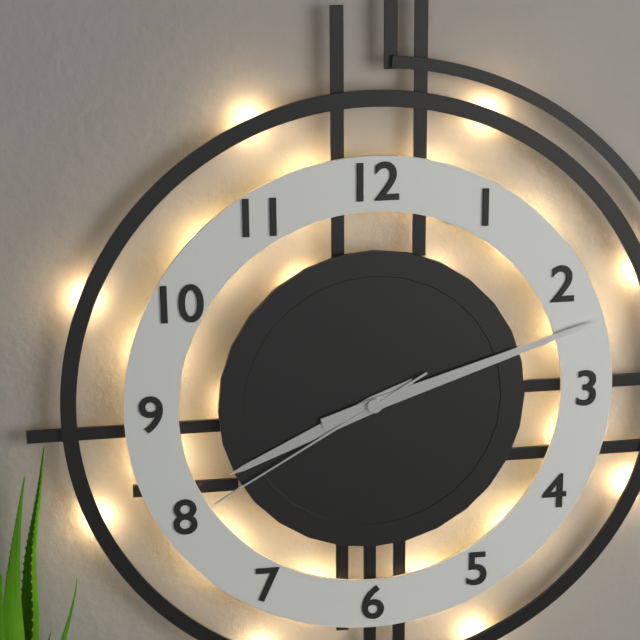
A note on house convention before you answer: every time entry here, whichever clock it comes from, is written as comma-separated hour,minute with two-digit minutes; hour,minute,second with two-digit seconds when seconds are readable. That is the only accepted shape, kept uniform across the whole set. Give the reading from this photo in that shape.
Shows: 8,12,40
